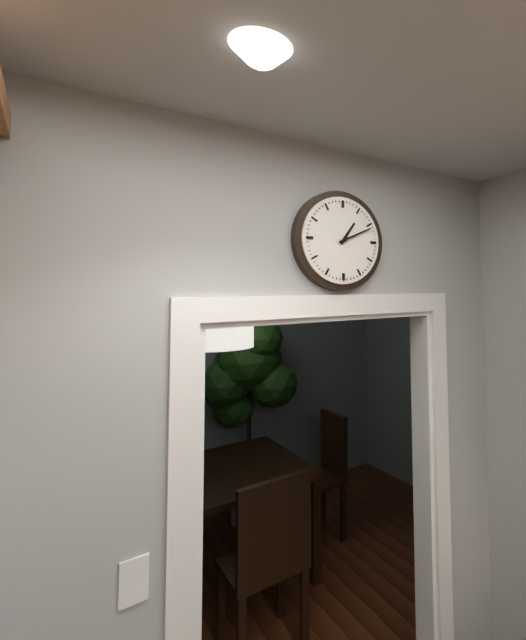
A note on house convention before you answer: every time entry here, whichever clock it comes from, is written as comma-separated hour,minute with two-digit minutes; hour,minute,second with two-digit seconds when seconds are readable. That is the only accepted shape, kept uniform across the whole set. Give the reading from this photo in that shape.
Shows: 1,11
